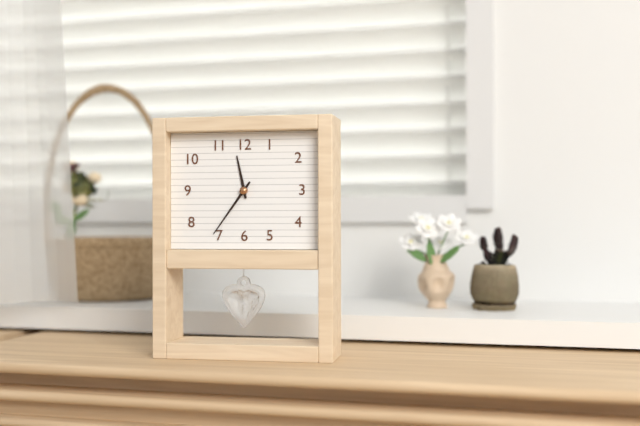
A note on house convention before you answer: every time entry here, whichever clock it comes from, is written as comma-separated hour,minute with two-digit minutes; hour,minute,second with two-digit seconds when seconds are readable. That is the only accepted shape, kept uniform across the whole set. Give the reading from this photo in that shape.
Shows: 11,36
